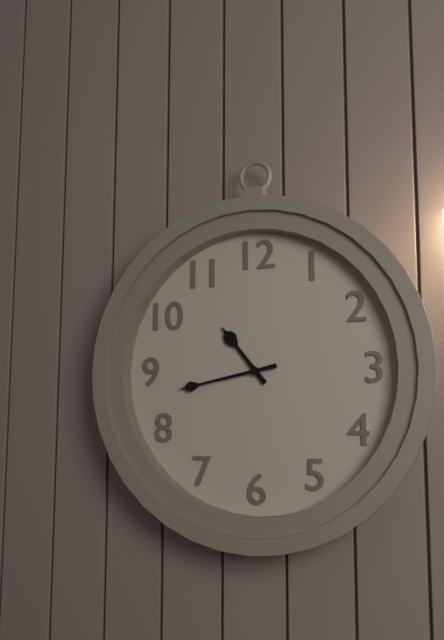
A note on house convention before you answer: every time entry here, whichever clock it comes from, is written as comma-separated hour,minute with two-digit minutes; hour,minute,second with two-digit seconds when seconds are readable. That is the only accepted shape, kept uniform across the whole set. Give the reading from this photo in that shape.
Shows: 10,43
